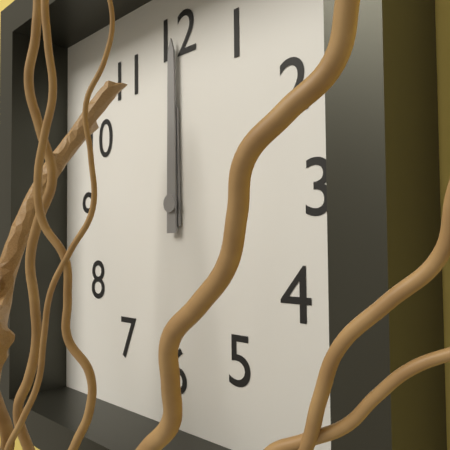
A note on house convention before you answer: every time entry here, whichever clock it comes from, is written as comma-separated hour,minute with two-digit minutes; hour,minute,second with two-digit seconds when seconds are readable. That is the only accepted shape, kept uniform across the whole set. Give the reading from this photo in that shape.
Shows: 12,00
